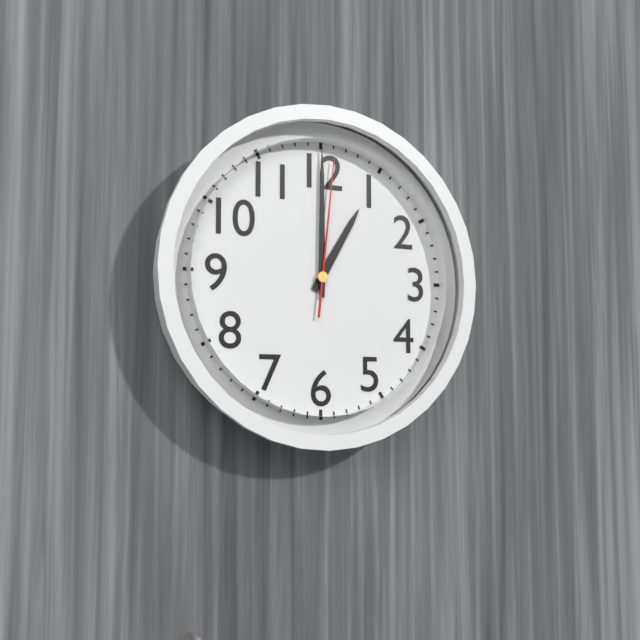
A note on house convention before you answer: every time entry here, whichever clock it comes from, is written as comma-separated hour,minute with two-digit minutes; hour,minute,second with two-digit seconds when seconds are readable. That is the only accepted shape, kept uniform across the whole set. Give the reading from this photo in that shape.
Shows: 1,00,01
